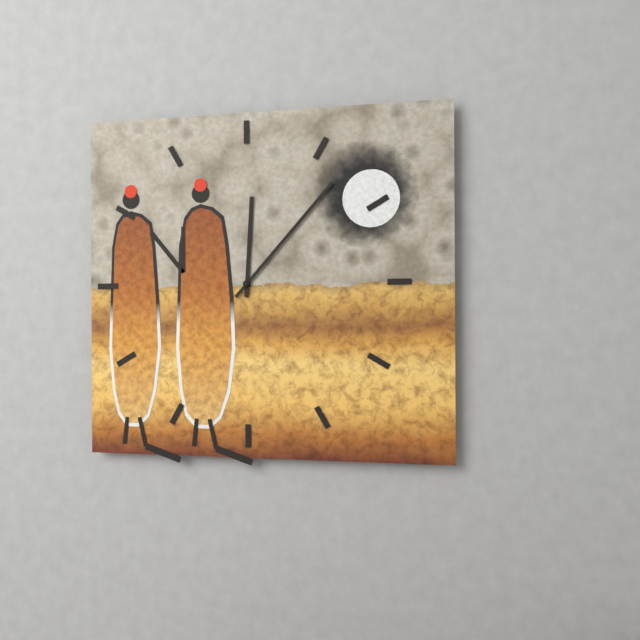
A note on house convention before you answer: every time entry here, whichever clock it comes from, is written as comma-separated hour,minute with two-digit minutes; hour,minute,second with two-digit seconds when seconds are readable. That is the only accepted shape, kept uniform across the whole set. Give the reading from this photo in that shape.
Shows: 12,07
